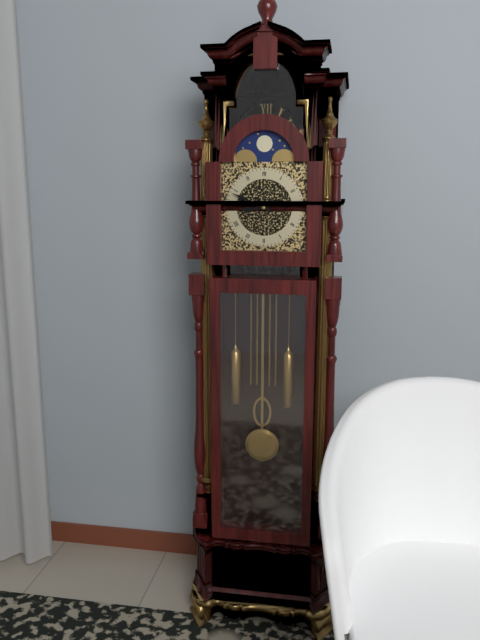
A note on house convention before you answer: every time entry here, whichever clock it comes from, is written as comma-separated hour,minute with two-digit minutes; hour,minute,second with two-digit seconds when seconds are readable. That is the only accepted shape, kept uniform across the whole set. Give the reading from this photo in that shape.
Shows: 8,49
